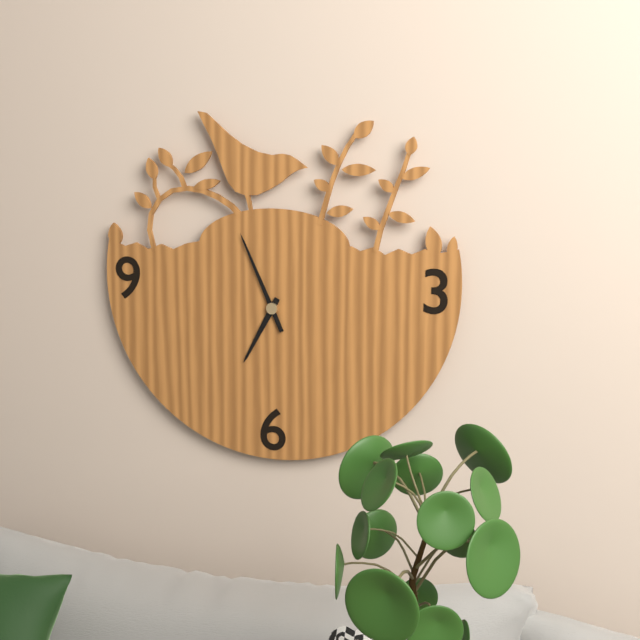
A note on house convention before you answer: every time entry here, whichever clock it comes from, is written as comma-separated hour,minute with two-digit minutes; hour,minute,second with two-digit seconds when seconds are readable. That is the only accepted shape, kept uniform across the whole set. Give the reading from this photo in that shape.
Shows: 6,56
